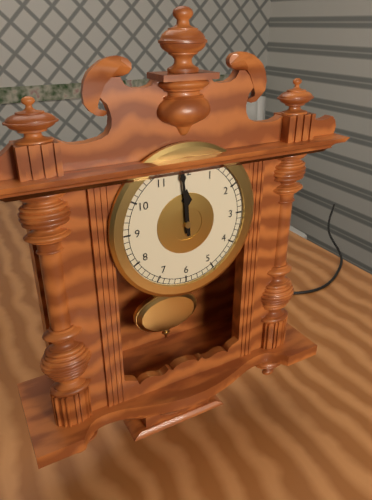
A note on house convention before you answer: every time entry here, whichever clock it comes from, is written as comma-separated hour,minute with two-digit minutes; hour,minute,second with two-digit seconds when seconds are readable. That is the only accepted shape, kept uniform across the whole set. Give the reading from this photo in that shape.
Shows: 11,59
